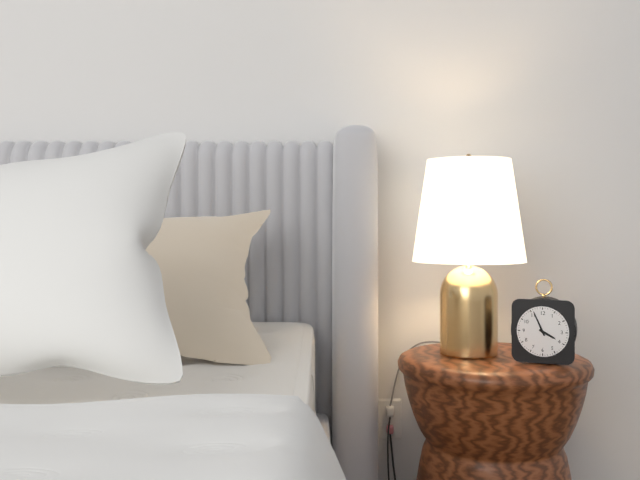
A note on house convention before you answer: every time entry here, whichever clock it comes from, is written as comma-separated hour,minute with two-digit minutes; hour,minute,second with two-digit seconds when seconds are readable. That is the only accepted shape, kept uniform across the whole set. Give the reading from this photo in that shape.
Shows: 3,56
